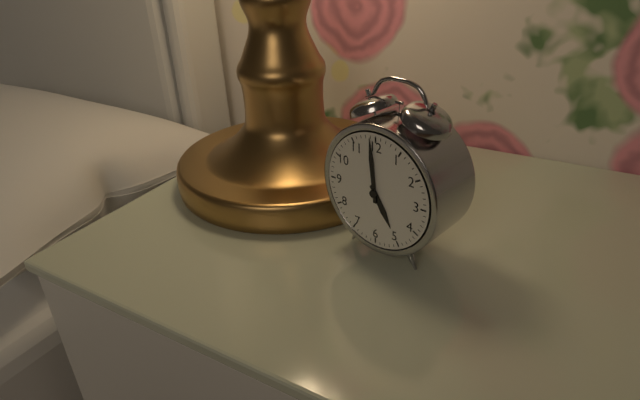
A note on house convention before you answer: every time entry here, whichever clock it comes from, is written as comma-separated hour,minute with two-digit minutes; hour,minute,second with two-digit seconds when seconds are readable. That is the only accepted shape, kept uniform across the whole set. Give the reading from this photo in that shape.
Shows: 4,59
